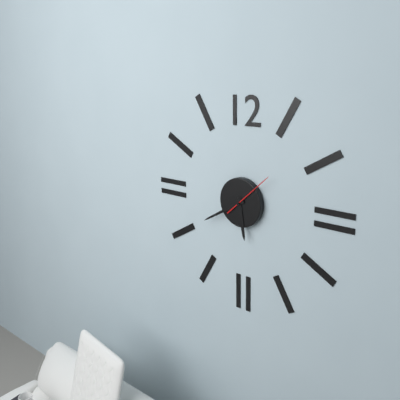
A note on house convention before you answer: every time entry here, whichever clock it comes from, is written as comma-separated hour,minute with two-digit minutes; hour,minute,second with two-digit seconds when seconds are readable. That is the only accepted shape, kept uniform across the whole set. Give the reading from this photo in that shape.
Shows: 5,40,08
